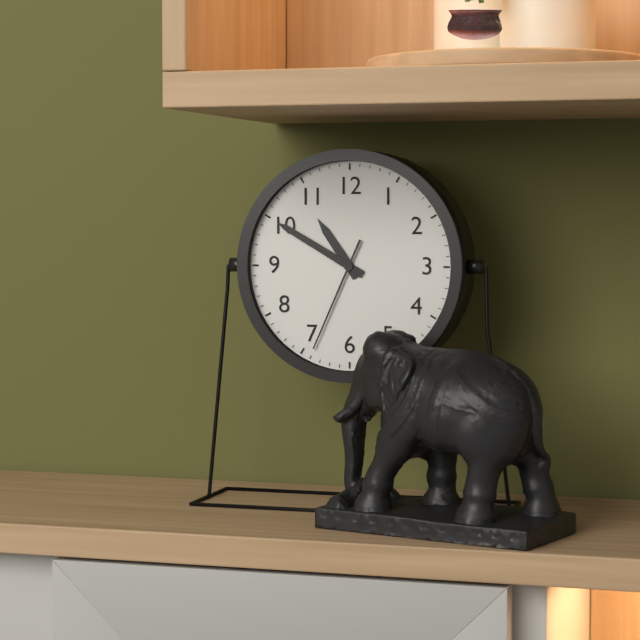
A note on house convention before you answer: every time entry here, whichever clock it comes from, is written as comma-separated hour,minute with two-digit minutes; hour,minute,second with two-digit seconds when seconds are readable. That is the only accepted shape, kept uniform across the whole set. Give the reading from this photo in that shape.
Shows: 10,50,34
